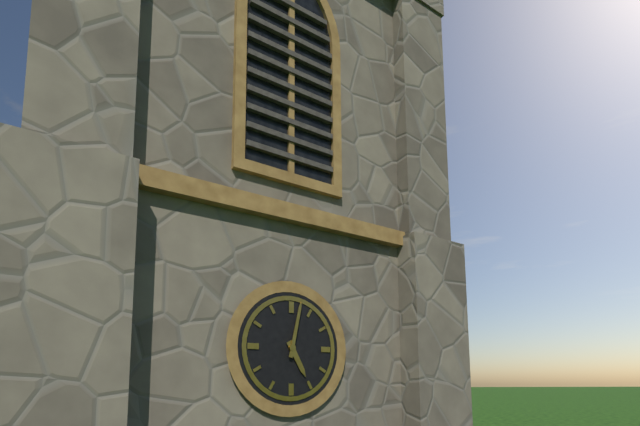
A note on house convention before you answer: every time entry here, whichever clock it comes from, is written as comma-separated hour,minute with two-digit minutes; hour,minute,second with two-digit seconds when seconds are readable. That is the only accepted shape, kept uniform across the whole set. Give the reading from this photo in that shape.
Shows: 5,02
